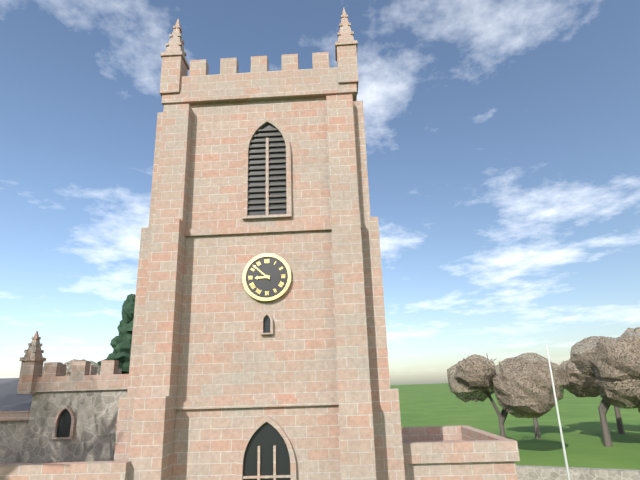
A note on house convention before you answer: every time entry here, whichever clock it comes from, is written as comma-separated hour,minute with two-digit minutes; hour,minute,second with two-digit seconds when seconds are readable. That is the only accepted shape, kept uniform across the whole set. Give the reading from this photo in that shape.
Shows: 8,52
